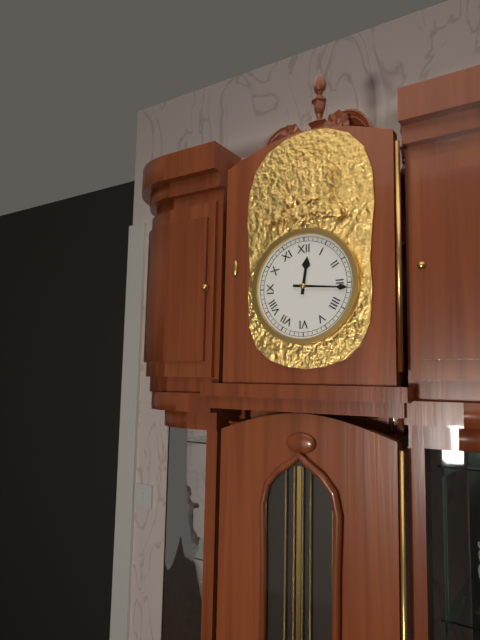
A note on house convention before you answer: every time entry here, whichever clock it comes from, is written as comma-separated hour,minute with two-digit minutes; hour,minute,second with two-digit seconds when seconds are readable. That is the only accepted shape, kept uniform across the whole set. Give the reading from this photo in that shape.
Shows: 12,16
